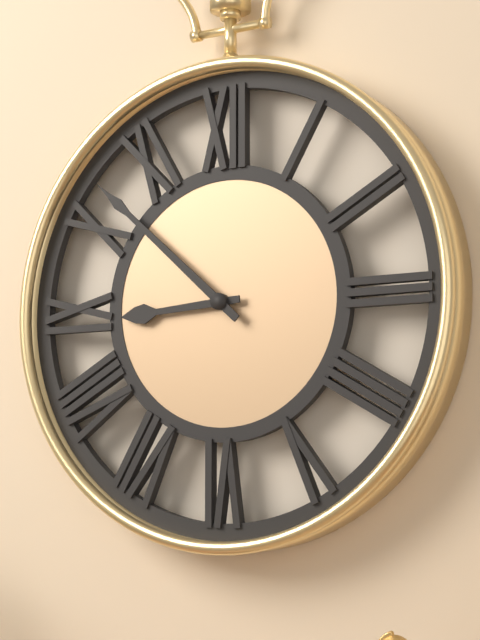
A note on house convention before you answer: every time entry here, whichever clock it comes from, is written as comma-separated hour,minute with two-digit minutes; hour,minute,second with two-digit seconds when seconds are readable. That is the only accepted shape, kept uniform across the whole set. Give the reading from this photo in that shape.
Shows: 8,52
